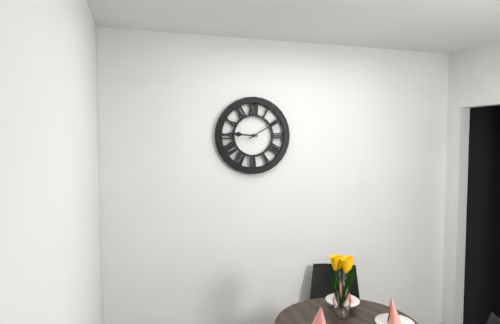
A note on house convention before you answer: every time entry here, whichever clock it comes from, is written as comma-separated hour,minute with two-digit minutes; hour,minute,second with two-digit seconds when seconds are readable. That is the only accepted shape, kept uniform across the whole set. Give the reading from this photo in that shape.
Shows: 9,10
